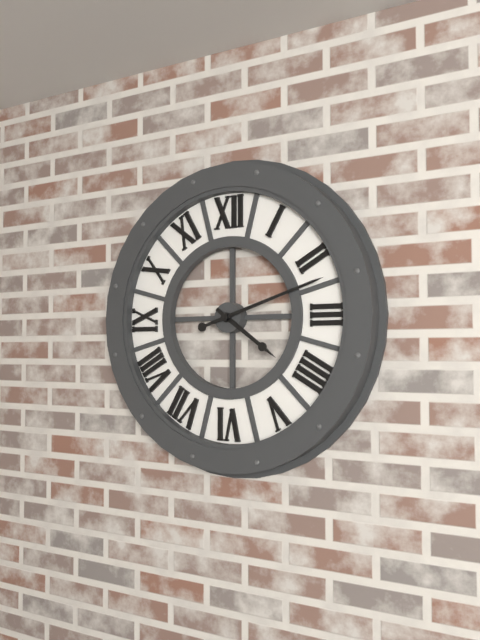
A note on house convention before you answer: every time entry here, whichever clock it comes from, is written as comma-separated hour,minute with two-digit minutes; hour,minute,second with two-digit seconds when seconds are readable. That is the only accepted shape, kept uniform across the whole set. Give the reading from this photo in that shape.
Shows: 4,12
